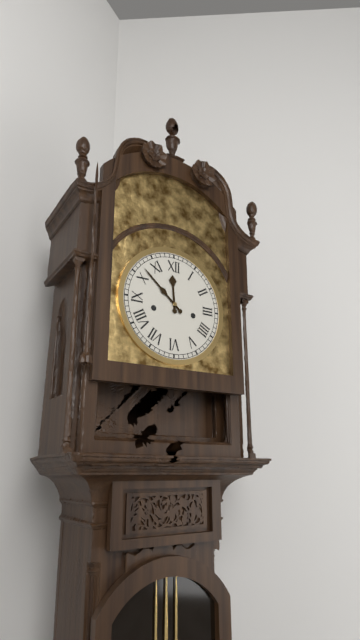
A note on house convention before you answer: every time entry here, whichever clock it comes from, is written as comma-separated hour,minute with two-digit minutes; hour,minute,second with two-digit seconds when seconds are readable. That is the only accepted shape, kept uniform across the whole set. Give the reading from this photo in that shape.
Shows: 11,52
